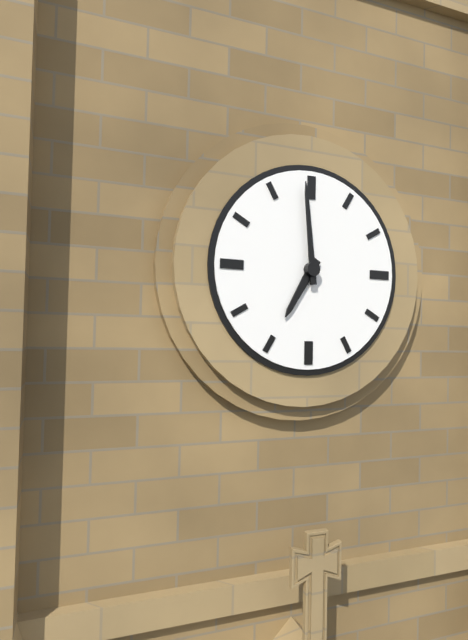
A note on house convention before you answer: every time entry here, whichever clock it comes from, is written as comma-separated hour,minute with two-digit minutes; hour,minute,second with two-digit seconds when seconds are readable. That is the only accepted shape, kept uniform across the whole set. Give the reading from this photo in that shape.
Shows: 6,59
